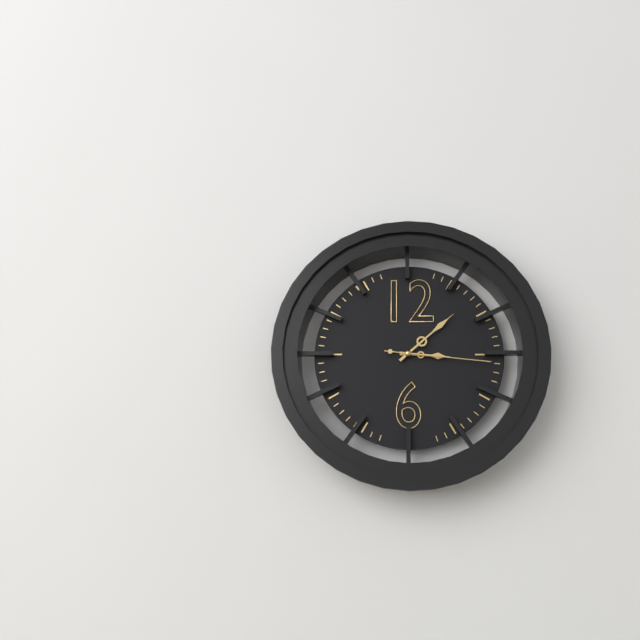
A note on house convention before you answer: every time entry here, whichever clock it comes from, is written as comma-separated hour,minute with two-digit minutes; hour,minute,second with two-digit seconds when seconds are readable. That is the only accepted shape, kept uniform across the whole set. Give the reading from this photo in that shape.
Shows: 3,08,16
